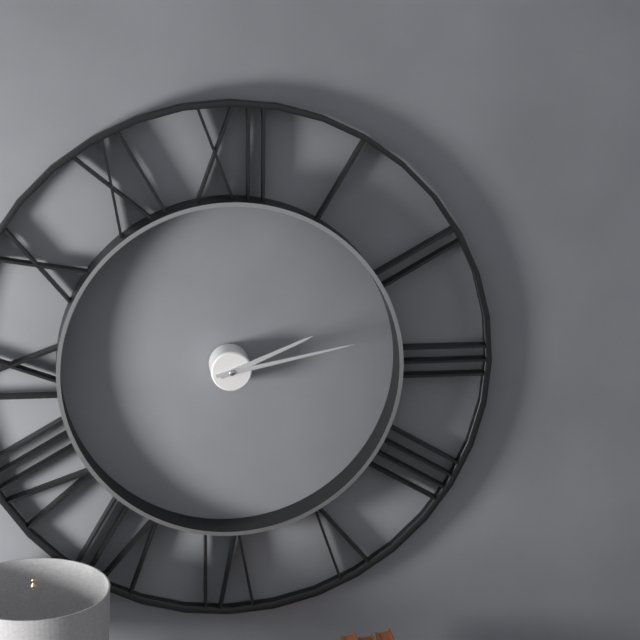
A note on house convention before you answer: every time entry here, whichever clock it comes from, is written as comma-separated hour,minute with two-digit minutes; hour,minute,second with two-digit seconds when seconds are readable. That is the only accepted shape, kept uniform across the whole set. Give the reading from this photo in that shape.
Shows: 2,13
